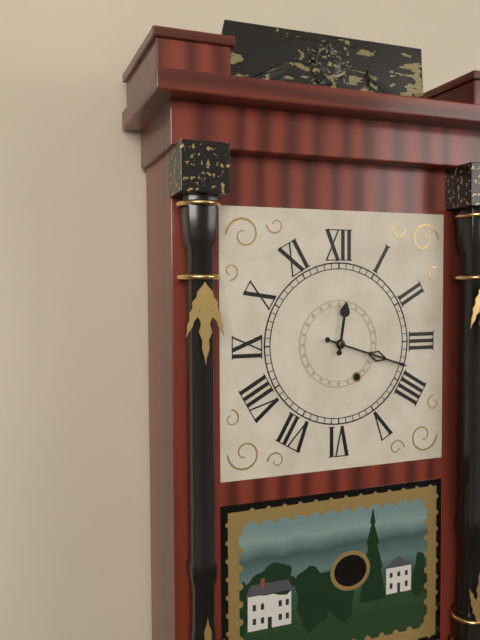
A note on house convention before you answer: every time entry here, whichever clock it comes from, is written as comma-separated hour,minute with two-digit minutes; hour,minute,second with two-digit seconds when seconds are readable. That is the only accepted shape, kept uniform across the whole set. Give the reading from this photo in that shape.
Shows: 12,18
